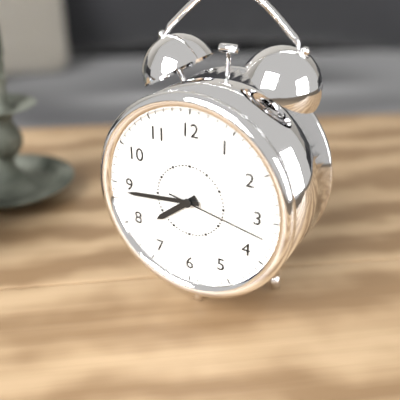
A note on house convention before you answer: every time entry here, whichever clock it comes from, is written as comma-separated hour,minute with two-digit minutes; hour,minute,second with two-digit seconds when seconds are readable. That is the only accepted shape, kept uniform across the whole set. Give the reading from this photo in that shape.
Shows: 7,44,17
